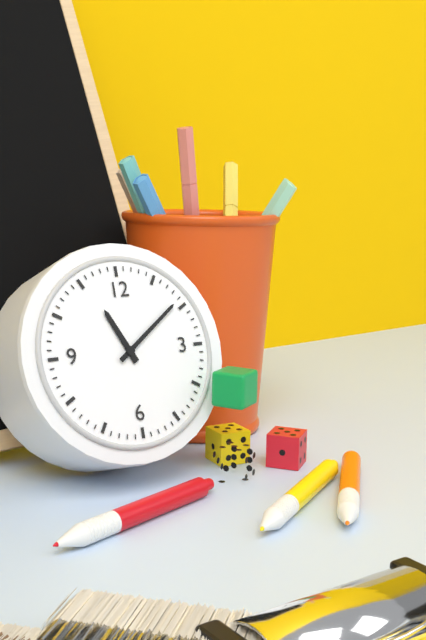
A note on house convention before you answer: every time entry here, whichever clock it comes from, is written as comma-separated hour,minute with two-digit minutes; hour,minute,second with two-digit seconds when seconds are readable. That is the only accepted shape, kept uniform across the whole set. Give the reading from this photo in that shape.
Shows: 11,09
